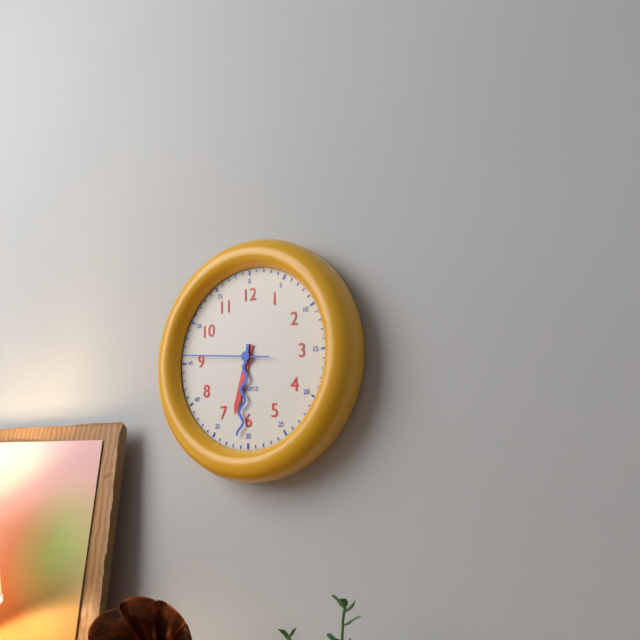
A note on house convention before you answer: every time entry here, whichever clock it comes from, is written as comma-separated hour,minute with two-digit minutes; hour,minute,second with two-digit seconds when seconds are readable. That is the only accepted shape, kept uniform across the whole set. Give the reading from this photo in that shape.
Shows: 6,31,46
